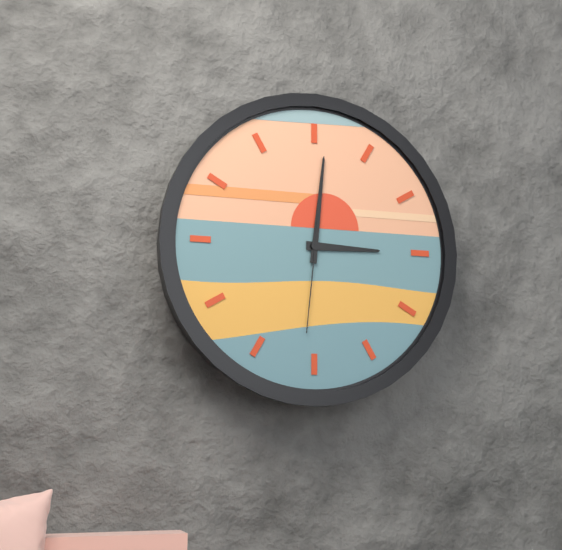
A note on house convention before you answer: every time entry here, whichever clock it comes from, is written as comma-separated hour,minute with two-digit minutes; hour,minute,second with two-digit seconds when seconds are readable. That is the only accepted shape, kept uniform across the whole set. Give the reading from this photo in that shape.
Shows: 3,01,31
